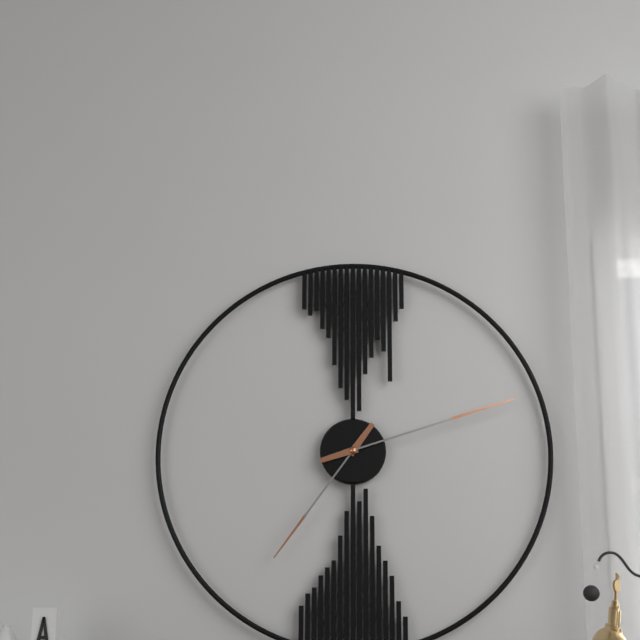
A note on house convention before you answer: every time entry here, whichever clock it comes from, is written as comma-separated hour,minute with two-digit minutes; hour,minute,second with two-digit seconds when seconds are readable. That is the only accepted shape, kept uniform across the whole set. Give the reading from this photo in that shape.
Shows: 7,12
